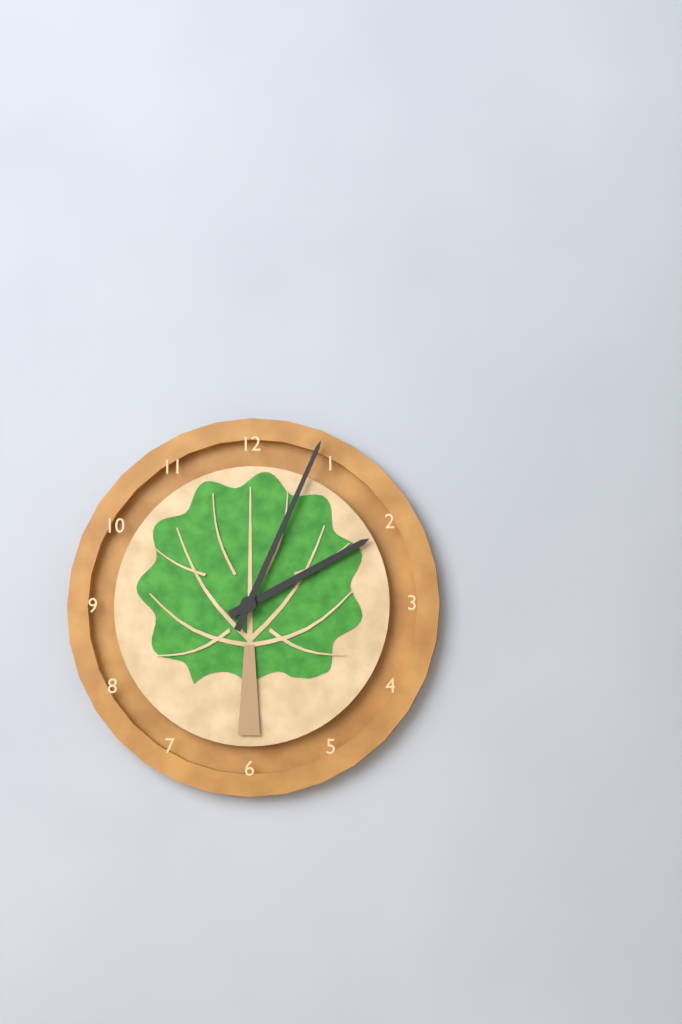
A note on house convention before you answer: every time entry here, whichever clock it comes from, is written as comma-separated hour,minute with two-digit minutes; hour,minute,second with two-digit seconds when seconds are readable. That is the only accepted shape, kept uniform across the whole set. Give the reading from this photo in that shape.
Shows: 2,04
